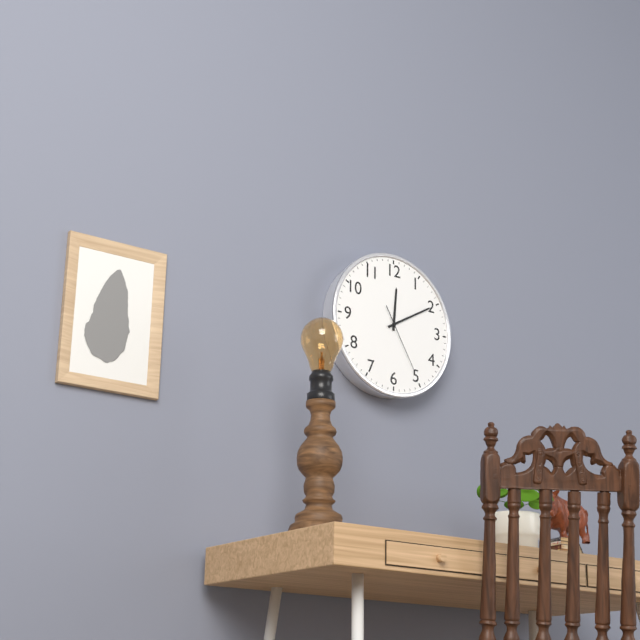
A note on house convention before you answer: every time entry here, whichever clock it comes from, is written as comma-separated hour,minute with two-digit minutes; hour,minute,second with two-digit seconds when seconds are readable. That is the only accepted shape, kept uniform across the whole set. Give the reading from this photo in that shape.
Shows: 12,10,25
